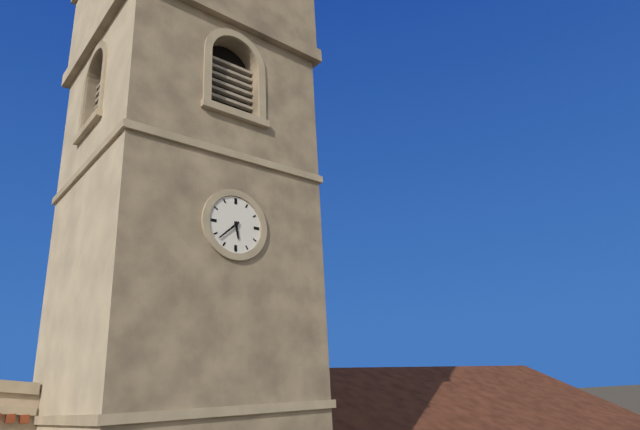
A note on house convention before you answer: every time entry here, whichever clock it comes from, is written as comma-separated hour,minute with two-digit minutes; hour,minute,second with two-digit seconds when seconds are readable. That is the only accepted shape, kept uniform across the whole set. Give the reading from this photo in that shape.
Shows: 5,38
